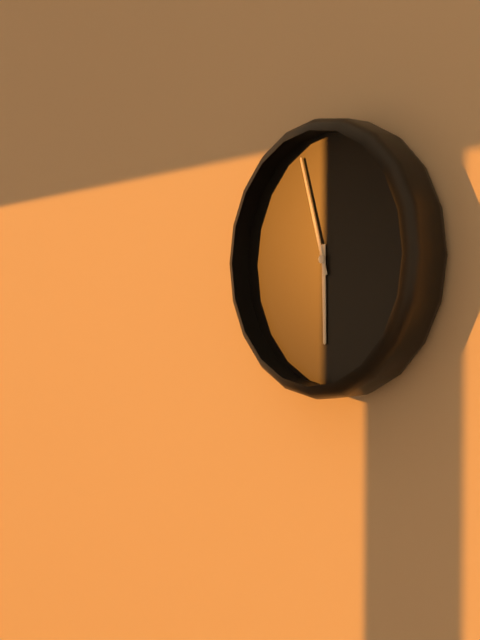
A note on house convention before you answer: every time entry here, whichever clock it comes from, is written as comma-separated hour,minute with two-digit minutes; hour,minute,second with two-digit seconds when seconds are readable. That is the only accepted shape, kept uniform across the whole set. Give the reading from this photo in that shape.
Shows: 5,57
